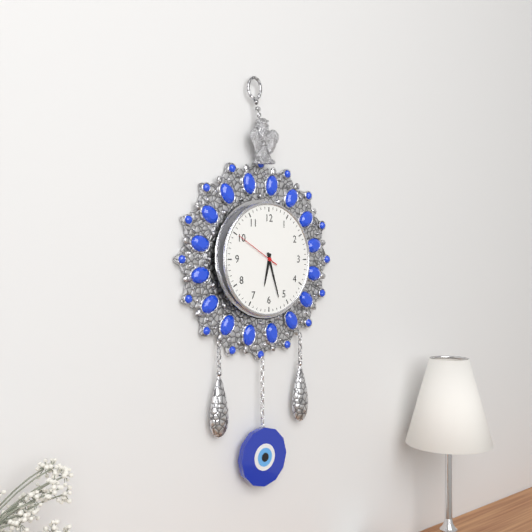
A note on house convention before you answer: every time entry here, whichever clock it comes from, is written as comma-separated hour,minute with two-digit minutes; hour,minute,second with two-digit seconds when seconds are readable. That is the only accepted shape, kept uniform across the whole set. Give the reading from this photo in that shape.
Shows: 6,27
